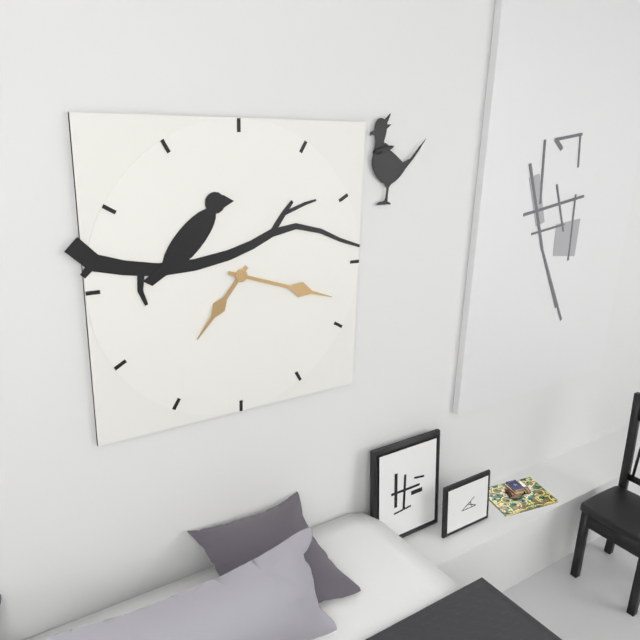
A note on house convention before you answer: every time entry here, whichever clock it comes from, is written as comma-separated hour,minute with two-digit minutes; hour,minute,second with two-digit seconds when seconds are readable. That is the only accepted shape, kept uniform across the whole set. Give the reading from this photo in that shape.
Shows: 7,18
